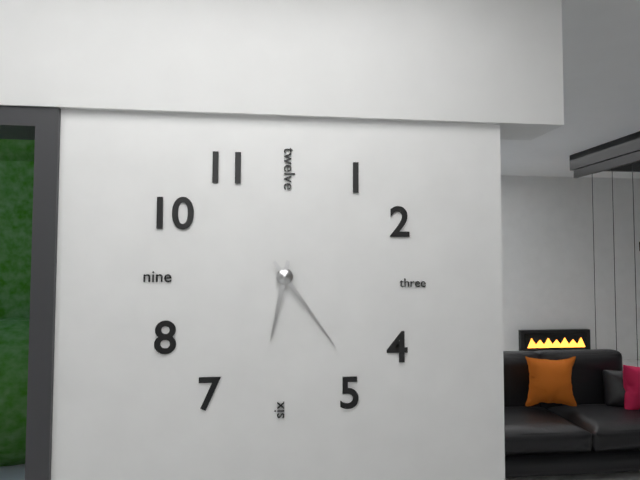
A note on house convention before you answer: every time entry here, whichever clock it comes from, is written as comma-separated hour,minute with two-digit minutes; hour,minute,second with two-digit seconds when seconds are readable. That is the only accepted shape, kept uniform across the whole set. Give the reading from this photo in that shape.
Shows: 6,24
